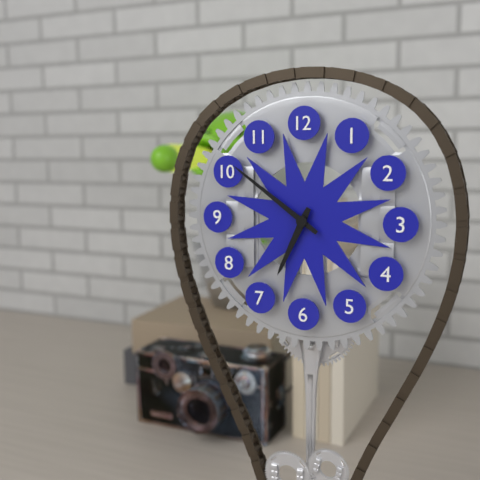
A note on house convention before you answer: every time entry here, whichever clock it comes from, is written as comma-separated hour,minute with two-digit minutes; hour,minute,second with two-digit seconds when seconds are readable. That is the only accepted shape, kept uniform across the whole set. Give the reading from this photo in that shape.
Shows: 6,51
